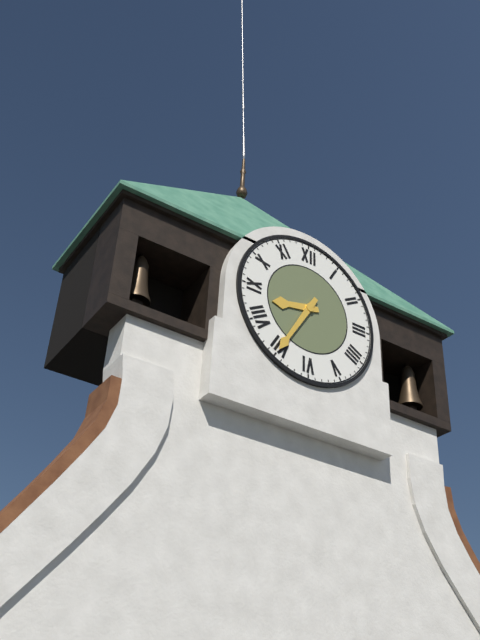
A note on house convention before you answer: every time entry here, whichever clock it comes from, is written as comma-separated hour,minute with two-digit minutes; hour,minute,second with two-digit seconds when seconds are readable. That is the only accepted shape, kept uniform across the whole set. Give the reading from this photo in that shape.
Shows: 8,35
